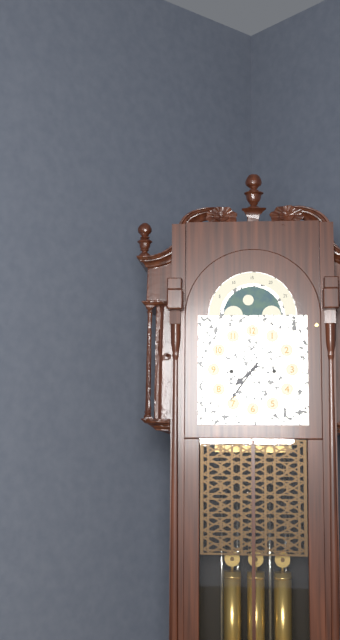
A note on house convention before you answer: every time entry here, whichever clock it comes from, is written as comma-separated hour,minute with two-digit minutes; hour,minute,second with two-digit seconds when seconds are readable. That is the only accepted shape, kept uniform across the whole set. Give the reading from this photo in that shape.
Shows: 7,36
